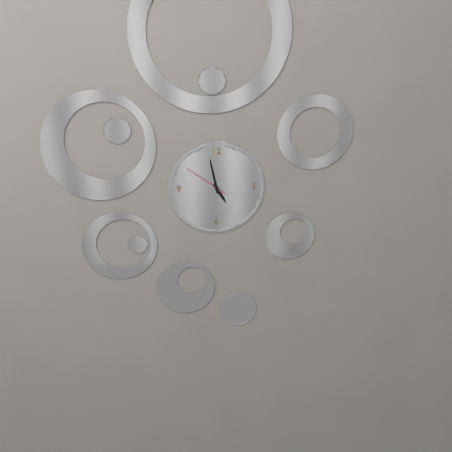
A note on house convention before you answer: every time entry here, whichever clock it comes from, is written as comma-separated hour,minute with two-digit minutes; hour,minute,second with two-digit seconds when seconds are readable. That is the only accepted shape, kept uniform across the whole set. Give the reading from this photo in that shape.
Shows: 4,58
